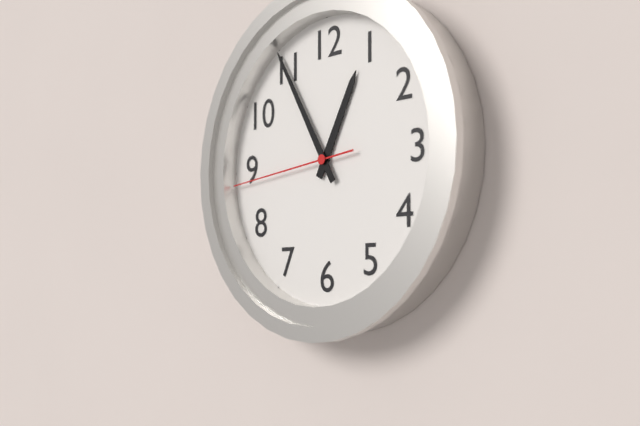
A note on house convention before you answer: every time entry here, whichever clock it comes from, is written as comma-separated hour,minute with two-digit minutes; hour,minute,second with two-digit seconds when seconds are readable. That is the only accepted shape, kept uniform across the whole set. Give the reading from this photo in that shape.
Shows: 12,55,44
